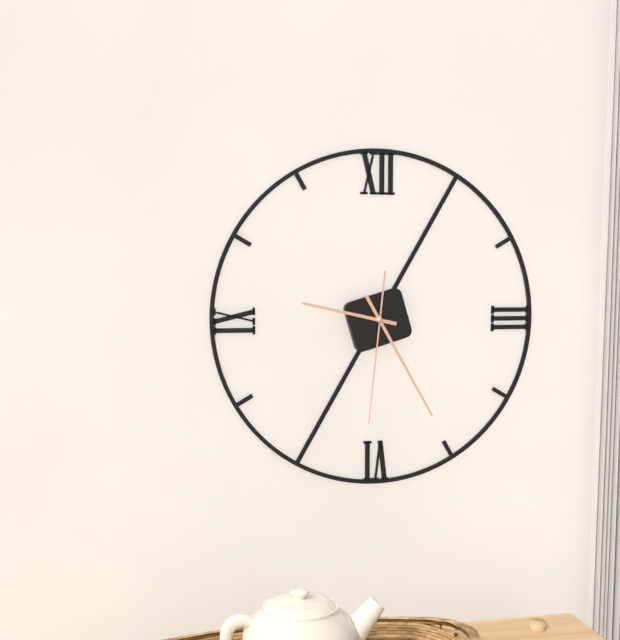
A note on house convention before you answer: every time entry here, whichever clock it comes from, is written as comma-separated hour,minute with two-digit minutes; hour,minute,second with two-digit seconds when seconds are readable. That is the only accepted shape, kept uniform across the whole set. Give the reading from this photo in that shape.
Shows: 9,25,31
